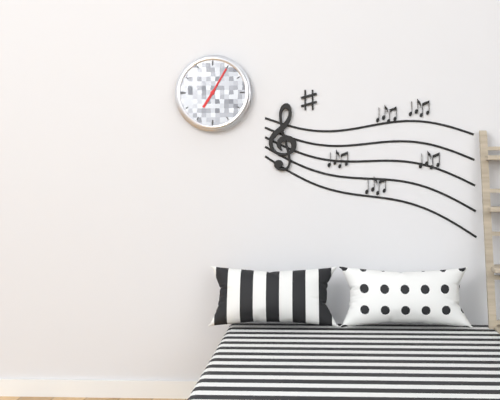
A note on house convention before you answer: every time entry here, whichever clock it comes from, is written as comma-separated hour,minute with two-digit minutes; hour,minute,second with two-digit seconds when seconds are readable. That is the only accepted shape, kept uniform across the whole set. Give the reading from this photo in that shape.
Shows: 7,05
